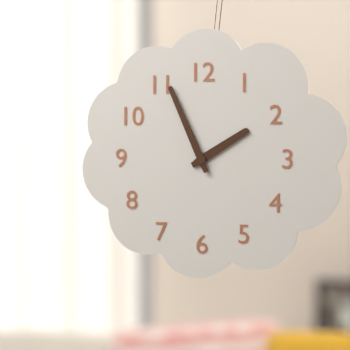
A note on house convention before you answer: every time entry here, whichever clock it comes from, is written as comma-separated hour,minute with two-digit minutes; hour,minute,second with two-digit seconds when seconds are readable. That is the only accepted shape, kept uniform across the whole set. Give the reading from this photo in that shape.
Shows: 1,56
